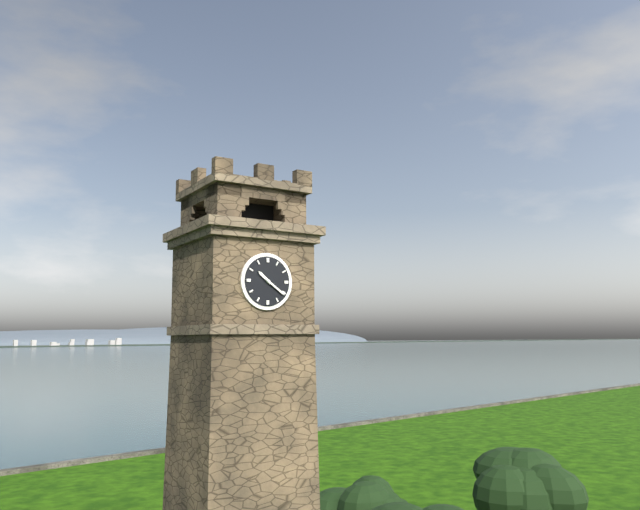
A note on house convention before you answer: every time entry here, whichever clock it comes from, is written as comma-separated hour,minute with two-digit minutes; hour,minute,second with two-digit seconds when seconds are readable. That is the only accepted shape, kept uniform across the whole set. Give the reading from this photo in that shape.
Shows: 10,21
